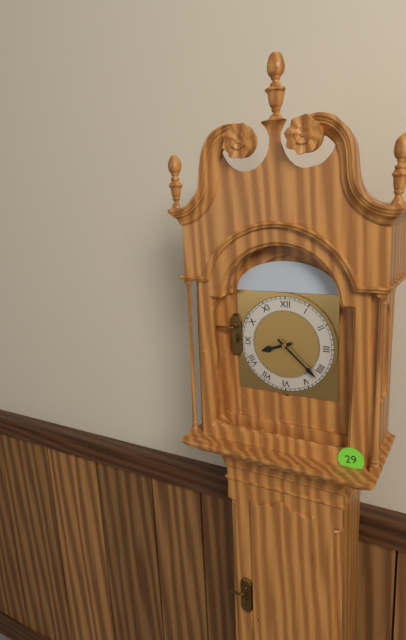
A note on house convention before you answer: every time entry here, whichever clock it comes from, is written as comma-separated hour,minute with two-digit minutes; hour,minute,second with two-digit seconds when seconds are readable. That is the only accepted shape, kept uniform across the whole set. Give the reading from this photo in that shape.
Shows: 8,22
